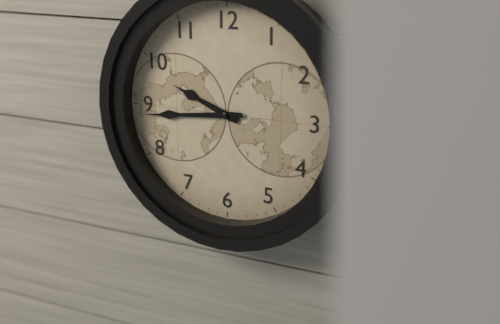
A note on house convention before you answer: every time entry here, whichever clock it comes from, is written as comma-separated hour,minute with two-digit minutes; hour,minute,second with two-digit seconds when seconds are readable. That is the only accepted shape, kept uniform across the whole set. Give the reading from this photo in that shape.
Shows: 9,44
